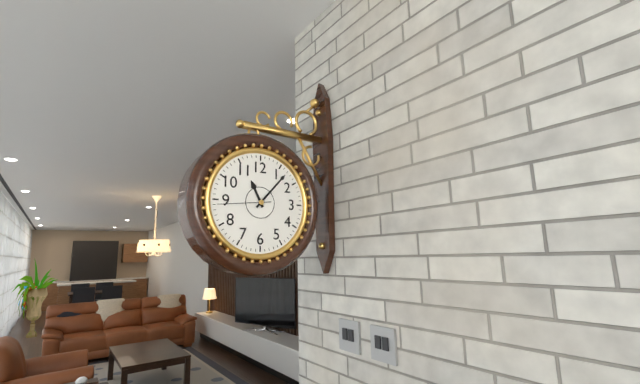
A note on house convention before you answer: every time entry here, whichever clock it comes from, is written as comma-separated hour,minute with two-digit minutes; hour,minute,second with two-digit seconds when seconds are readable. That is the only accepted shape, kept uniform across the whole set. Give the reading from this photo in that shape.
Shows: 11,07,44
